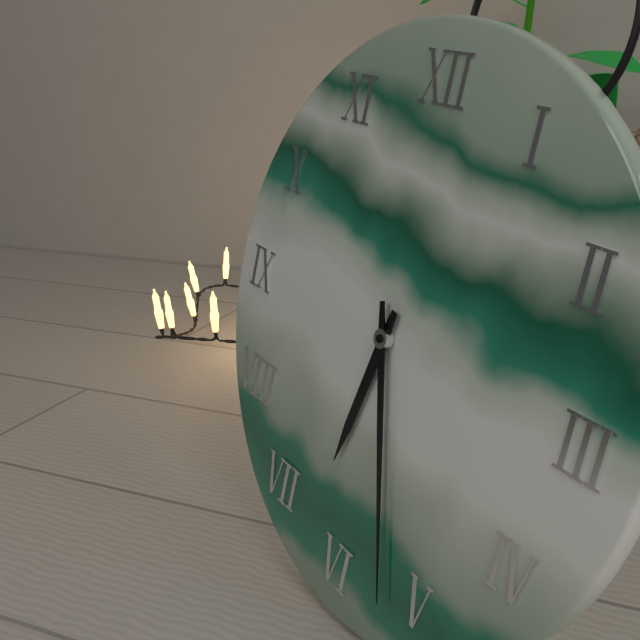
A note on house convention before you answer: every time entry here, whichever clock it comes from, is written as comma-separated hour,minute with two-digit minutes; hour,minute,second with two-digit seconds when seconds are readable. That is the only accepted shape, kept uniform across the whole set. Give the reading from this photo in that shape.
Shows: 6,27
